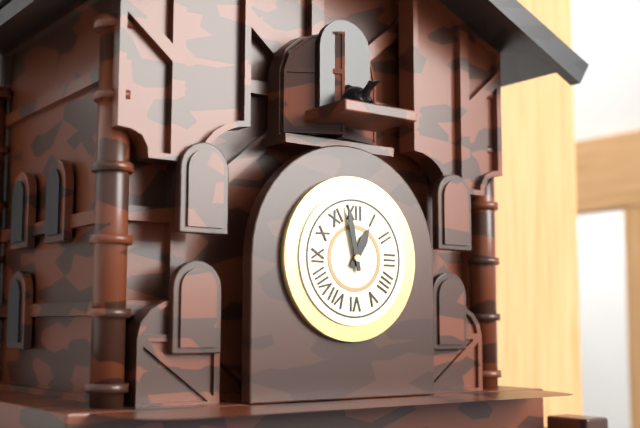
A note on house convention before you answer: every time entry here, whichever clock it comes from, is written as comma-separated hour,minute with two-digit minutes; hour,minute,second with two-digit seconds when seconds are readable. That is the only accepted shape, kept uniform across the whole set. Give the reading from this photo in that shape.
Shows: 12,58
